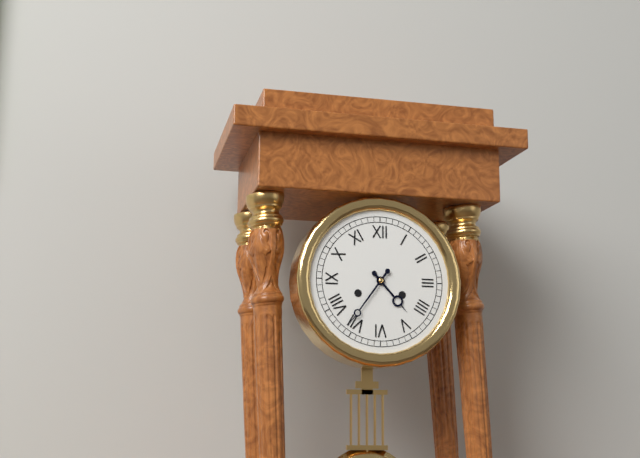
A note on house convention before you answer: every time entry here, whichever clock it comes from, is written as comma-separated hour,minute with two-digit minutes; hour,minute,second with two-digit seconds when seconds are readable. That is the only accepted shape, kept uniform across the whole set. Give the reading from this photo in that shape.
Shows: 4,36
